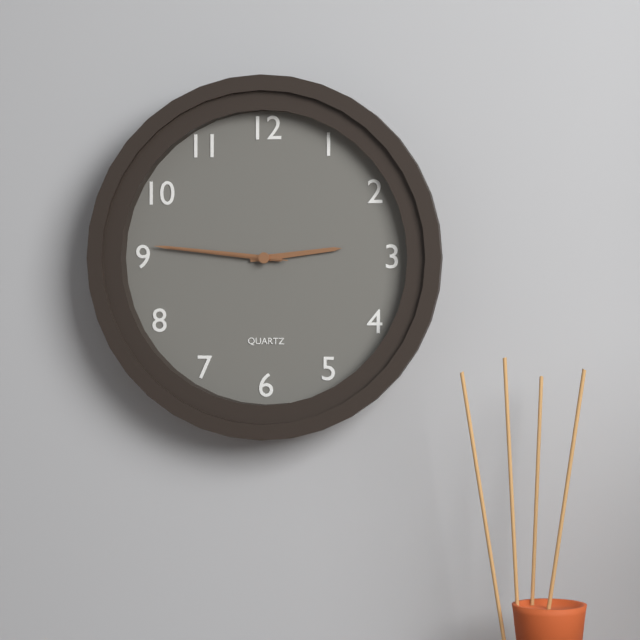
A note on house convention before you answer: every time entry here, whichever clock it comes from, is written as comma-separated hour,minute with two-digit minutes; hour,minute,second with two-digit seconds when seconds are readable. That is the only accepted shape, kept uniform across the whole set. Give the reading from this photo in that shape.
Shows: 2,46,46
